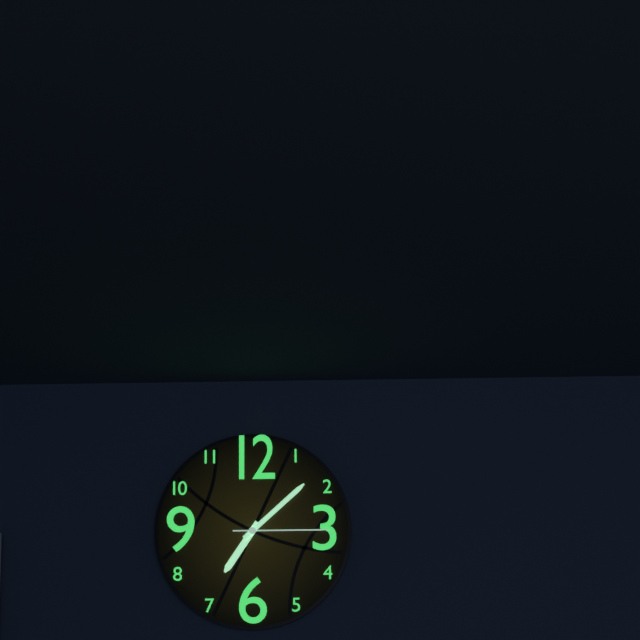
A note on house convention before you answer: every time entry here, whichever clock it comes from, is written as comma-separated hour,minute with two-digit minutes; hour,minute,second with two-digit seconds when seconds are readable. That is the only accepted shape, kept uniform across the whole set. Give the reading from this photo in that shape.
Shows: 7,08,15
